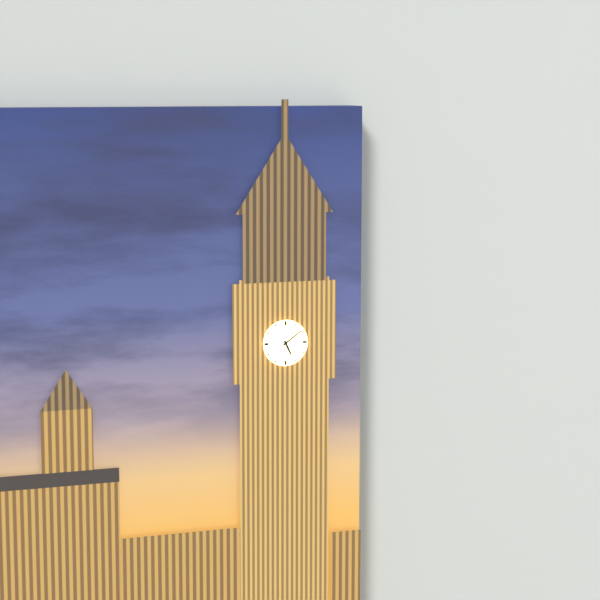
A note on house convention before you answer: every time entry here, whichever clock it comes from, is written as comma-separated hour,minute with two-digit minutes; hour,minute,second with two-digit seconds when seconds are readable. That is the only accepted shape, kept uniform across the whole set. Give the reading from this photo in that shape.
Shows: 5,09
